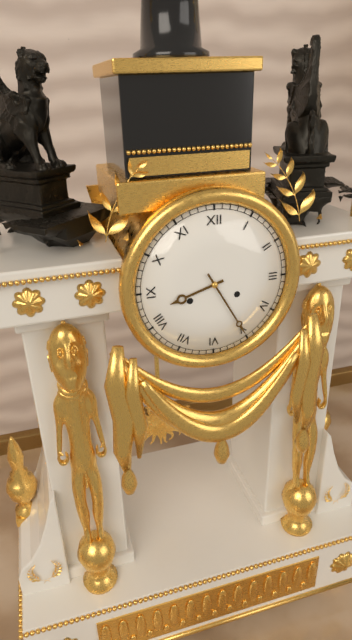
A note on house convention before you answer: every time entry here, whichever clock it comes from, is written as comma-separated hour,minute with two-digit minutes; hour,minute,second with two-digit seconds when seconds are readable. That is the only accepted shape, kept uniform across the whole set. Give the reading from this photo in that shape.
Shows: 8,25
